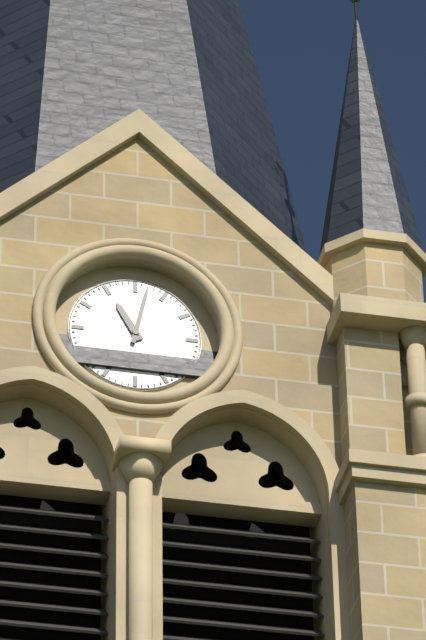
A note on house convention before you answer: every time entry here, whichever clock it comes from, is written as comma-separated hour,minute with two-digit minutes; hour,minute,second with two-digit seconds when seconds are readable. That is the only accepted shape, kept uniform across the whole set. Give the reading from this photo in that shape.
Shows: 11,02
